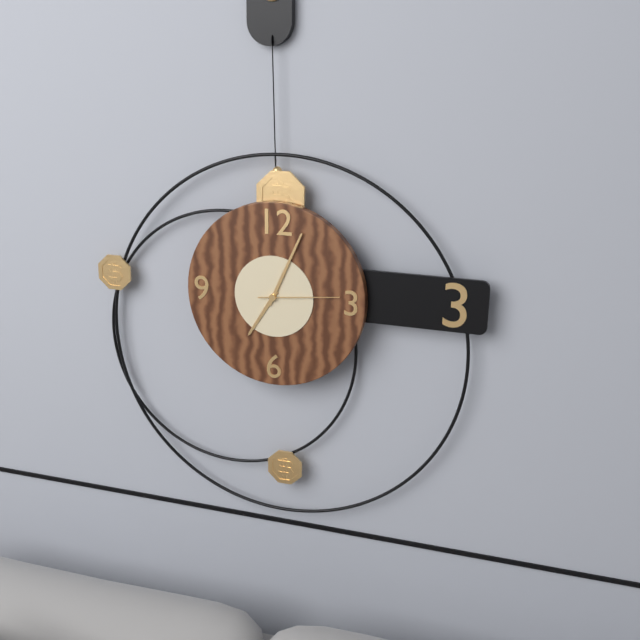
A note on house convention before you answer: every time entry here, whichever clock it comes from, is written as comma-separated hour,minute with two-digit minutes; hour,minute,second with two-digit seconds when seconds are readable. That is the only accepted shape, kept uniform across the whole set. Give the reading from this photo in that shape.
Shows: 7,04,14
